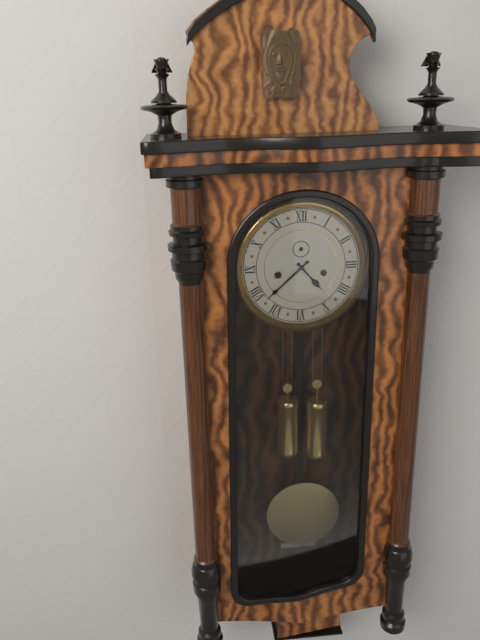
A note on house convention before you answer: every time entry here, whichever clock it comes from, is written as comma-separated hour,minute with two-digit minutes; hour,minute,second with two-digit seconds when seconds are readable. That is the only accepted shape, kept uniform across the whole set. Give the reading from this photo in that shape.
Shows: 4,38
